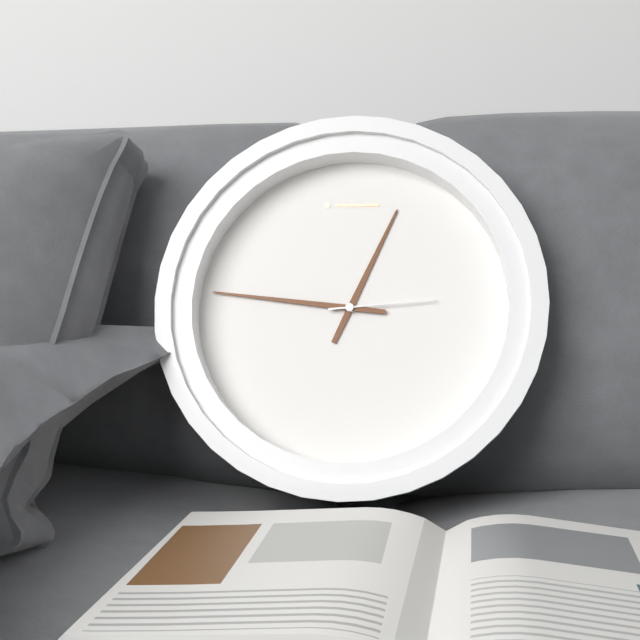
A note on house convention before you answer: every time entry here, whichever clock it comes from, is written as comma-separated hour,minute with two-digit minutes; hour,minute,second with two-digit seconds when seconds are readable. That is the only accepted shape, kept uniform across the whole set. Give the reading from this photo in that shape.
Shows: 12,46,14
